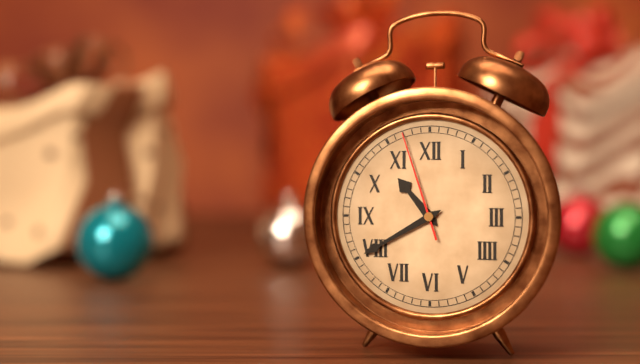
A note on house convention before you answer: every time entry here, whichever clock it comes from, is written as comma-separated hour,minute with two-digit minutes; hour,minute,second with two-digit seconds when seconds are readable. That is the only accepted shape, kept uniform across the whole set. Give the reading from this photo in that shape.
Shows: 10,40,57
